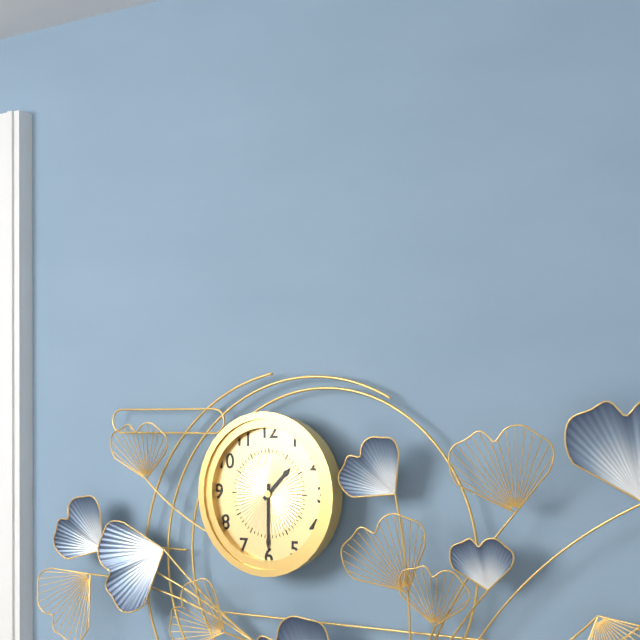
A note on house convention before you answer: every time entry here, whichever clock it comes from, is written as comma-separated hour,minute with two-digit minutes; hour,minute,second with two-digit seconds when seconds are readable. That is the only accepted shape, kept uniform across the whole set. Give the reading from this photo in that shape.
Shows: 1,30
